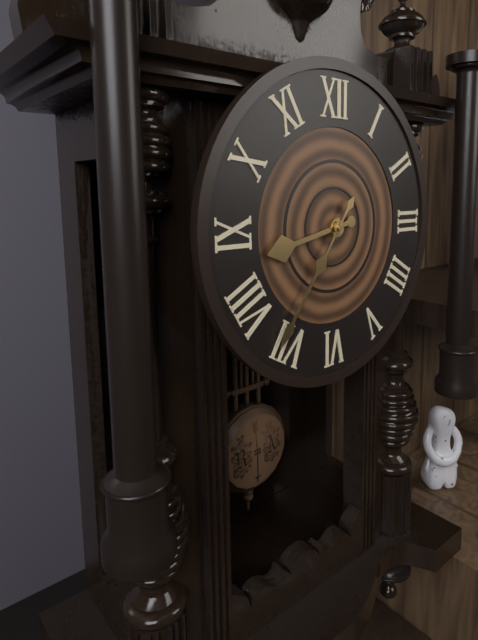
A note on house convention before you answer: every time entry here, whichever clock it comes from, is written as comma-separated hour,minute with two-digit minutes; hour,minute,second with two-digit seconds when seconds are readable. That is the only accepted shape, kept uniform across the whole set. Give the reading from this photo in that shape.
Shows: 8,36
